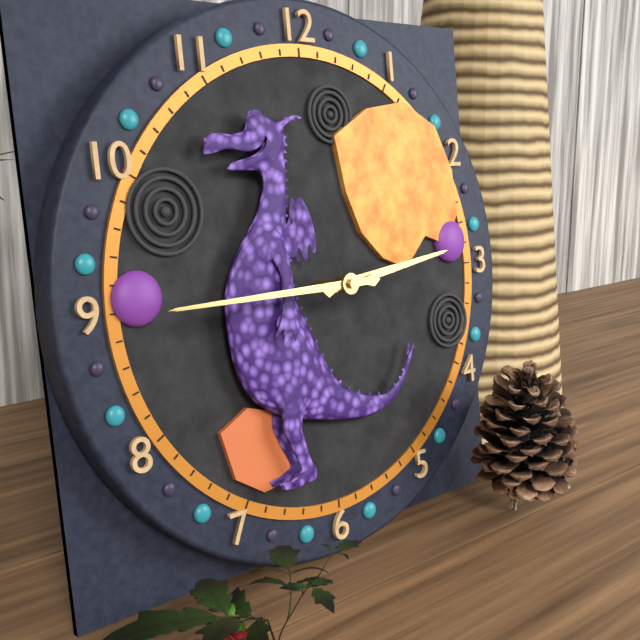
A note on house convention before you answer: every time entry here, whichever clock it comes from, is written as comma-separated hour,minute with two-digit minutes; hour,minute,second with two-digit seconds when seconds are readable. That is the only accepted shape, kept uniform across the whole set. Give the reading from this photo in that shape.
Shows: 2,45
